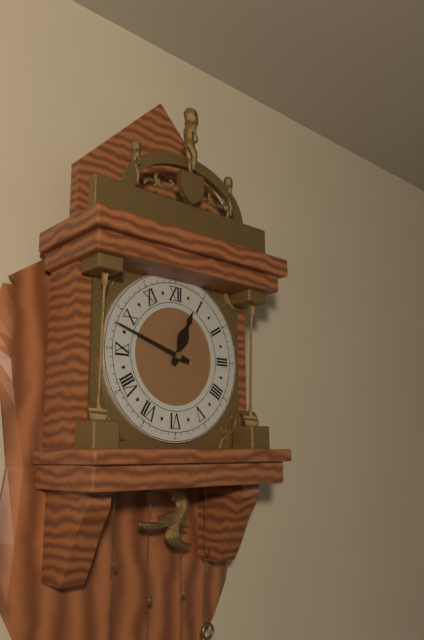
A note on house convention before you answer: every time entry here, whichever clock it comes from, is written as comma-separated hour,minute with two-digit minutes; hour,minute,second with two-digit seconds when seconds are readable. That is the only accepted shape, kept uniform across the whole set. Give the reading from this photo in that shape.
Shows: 12,48
